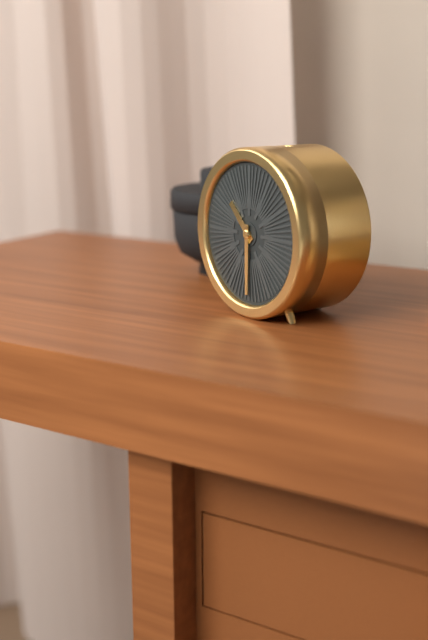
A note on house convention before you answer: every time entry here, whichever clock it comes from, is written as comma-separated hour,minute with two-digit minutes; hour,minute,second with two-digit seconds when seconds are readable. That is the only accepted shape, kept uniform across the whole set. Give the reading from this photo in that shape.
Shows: 10,30
